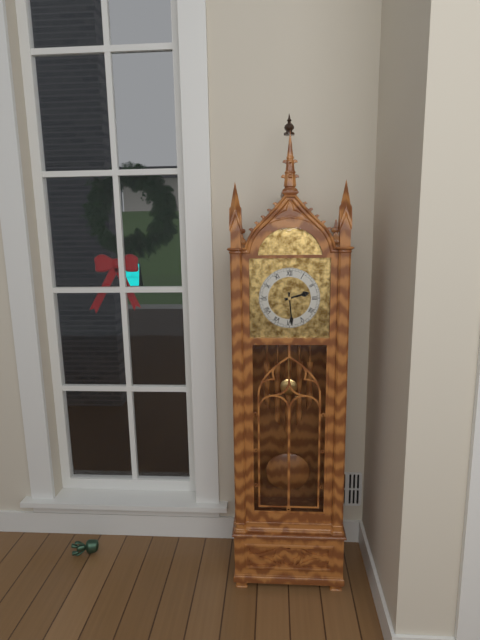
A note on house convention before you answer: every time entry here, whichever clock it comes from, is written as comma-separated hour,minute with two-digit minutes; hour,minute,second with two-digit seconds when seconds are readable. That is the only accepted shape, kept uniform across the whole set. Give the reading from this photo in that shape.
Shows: 2,29
